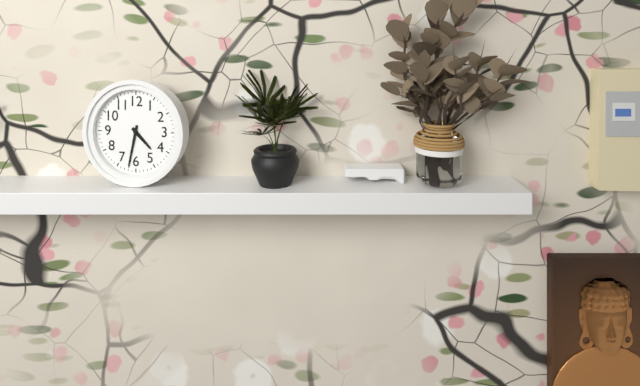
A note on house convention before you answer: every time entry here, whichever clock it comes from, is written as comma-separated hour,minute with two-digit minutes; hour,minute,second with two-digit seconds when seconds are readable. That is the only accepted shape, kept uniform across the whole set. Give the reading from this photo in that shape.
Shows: 4,32
